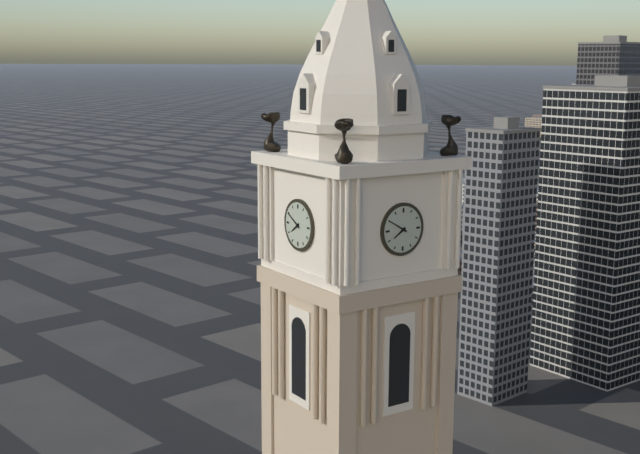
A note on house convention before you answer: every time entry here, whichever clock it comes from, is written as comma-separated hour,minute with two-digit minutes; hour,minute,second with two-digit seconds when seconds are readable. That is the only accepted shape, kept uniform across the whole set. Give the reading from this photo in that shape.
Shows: 7,50
